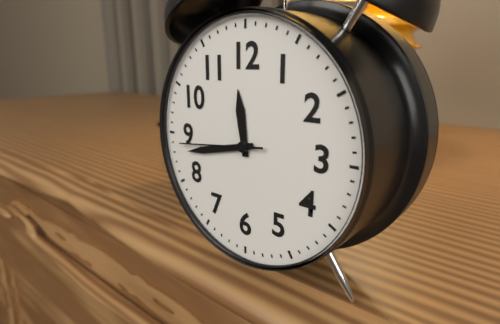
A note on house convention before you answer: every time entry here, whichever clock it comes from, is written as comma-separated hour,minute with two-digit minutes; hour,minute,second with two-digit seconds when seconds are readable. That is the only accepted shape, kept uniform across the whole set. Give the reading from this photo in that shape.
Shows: 11,43,44
